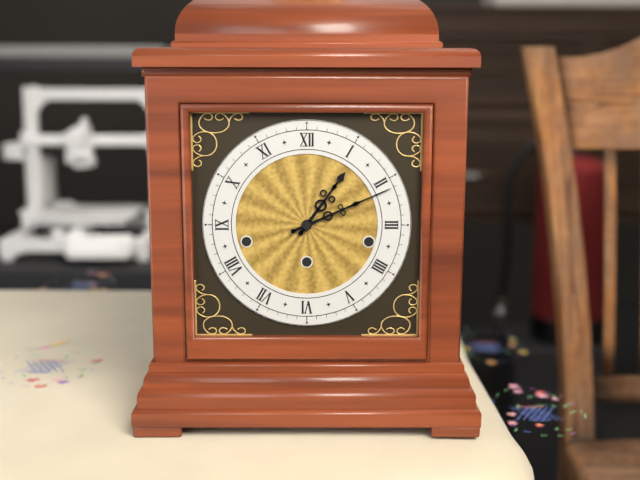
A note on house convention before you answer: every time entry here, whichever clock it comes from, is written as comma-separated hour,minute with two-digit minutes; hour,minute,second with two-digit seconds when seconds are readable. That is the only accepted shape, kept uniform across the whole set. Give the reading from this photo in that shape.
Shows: 1,11
